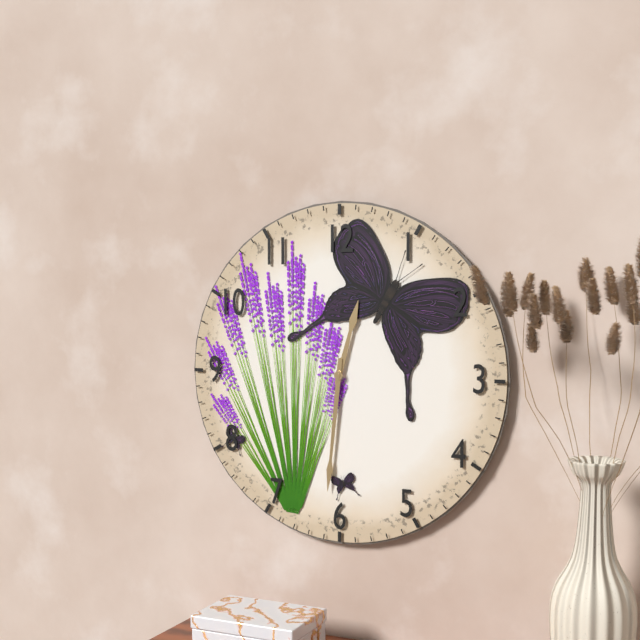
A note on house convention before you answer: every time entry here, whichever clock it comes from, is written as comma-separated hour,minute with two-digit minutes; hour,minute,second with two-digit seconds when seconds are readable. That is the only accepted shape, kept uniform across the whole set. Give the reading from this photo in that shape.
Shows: 12,31
